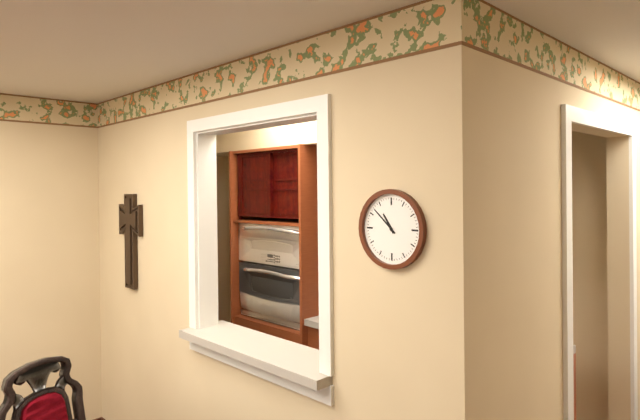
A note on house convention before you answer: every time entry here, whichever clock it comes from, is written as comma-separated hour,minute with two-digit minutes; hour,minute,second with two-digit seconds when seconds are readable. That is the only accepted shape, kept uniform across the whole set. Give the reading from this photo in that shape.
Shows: 10,52
